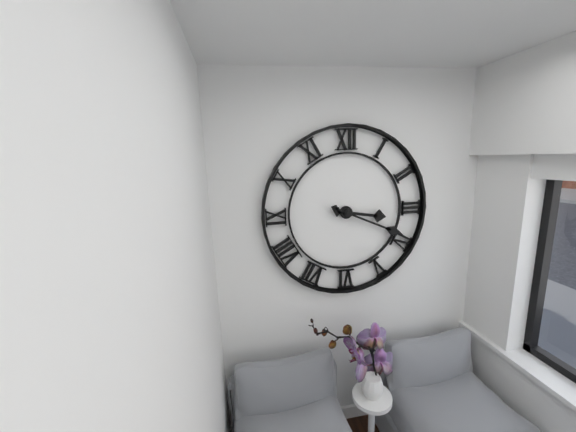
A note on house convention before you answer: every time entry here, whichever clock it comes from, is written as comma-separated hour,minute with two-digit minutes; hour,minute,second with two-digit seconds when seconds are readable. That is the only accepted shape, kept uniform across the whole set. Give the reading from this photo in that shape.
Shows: 3,19
